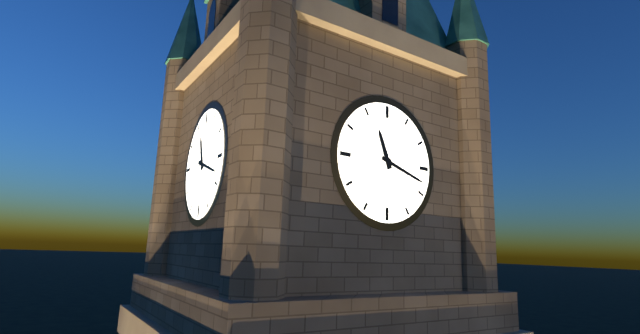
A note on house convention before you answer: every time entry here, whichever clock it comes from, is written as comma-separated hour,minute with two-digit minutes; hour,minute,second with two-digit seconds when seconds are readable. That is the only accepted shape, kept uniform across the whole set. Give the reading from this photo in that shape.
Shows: 11,18
